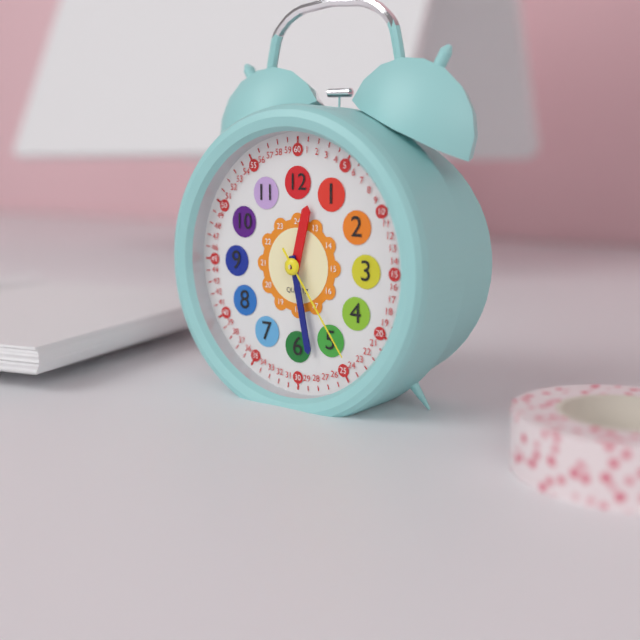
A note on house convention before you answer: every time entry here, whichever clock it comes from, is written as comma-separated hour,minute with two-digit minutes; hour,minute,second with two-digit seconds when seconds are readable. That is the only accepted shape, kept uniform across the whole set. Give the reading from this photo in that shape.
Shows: 12,28,24
